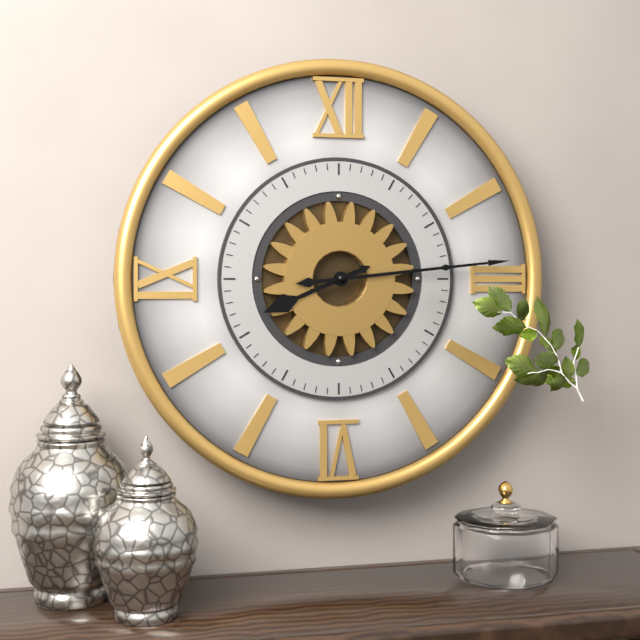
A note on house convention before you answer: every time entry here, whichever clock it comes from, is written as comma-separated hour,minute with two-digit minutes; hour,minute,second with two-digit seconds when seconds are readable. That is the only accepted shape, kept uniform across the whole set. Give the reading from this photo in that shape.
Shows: 8,14
